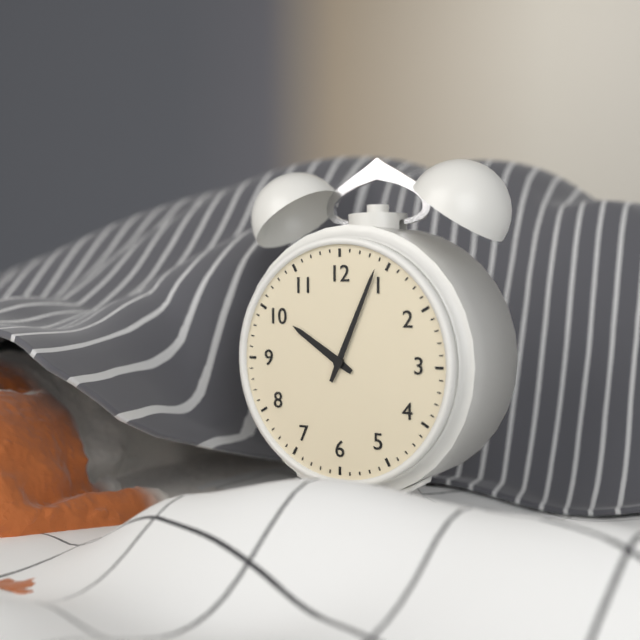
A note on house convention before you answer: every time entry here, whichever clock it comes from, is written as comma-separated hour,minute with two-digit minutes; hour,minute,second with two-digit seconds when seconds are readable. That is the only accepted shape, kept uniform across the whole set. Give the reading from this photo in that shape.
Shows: 10,04
